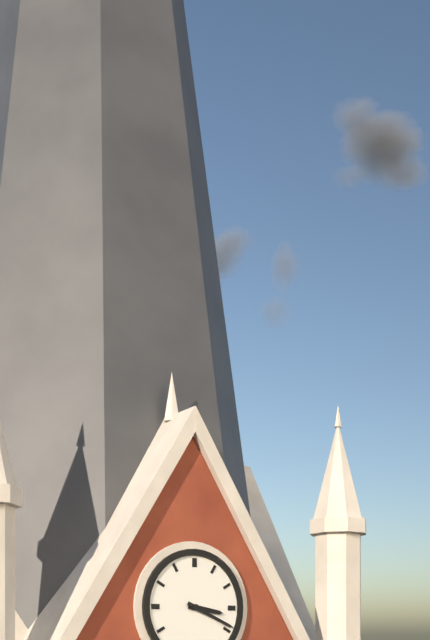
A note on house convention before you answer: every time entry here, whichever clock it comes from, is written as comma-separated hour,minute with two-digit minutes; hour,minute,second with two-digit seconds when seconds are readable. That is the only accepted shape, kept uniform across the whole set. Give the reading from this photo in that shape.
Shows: 3,19
